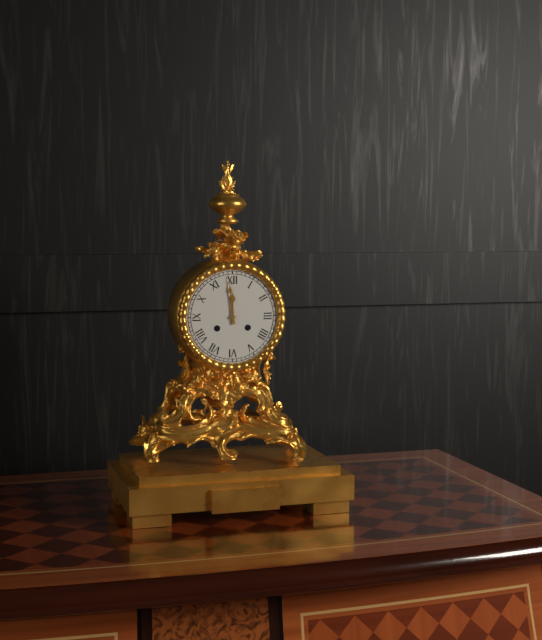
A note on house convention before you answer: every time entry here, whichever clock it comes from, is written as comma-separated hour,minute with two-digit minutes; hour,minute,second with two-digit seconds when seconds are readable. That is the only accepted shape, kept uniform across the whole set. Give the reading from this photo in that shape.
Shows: 11,59
